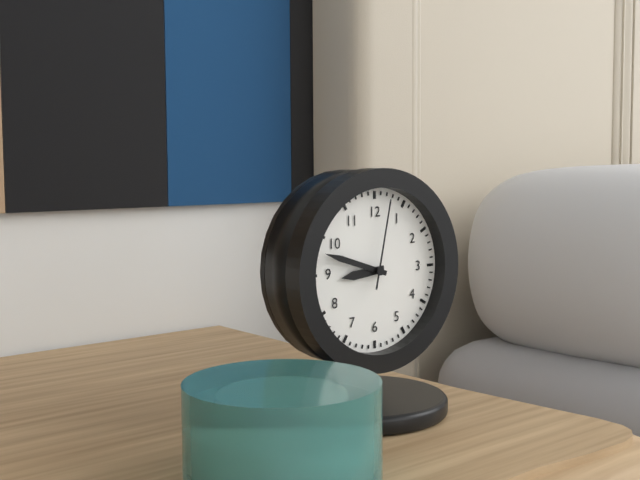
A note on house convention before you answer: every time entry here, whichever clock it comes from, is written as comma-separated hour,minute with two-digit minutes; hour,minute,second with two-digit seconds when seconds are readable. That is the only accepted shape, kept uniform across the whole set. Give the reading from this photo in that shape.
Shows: 8,48,02
